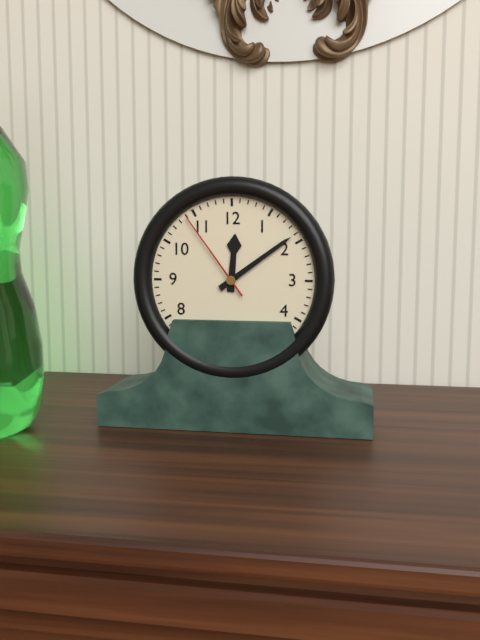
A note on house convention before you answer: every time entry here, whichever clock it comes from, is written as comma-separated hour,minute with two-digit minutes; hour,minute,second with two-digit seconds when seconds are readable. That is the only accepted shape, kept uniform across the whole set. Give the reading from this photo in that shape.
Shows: 12,09,54
